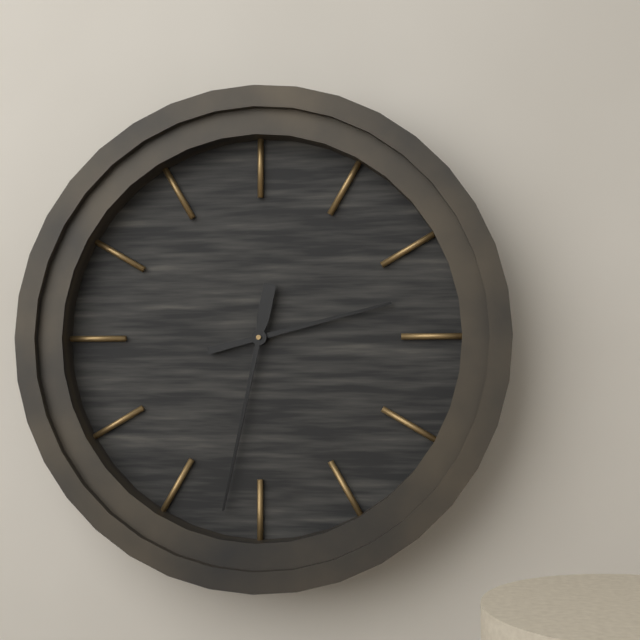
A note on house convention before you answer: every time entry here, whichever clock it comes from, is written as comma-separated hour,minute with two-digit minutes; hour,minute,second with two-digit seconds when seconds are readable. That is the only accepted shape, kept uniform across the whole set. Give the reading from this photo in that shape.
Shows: 2,32
